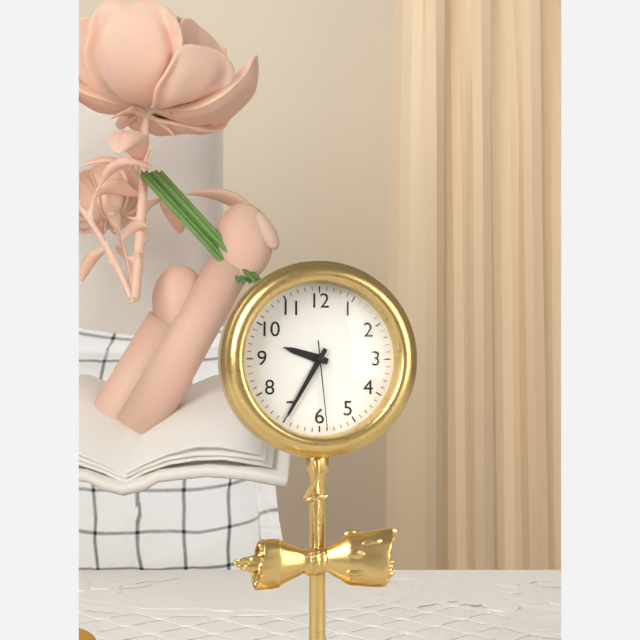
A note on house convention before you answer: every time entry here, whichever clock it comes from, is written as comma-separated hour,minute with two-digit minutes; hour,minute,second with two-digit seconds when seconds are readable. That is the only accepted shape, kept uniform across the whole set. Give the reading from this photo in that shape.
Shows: 9,35,29
